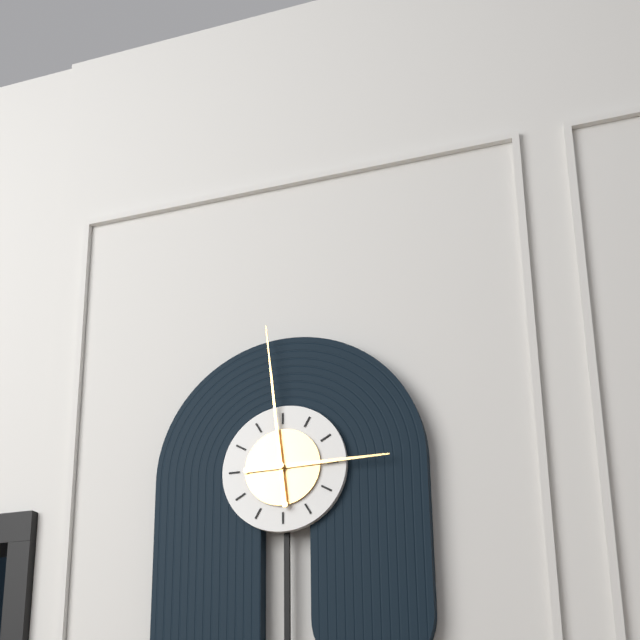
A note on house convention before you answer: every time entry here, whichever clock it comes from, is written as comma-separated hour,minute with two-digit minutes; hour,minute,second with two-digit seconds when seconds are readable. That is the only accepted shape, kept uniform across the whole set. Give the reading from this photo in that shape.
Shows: 2,59
